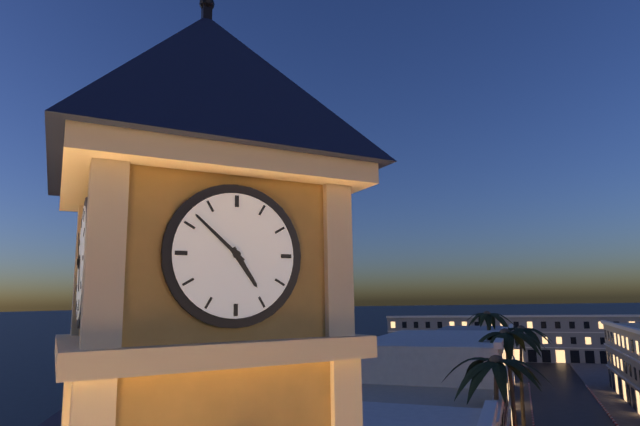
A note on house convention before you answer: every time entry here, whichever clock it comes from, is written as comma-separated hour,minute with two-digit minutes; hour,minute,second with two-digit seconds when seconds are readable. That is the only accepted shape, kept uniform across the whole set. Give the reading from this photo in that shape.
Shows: 4,52
